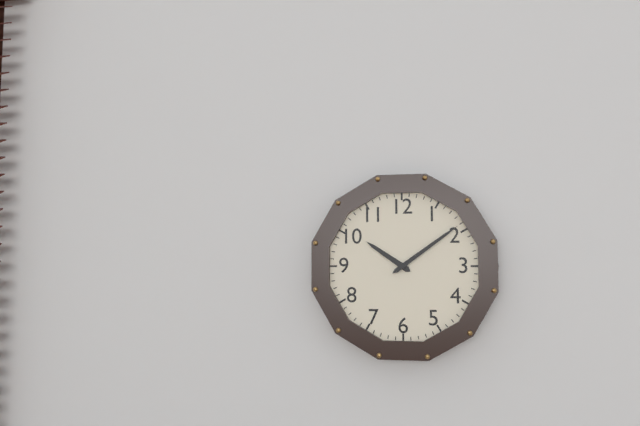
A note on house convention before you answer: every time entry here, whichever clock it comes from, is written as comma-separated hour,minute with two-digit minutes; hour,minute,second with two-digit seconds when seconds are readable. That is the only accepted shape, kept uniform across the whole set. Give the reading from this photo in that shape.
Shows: 10,09
